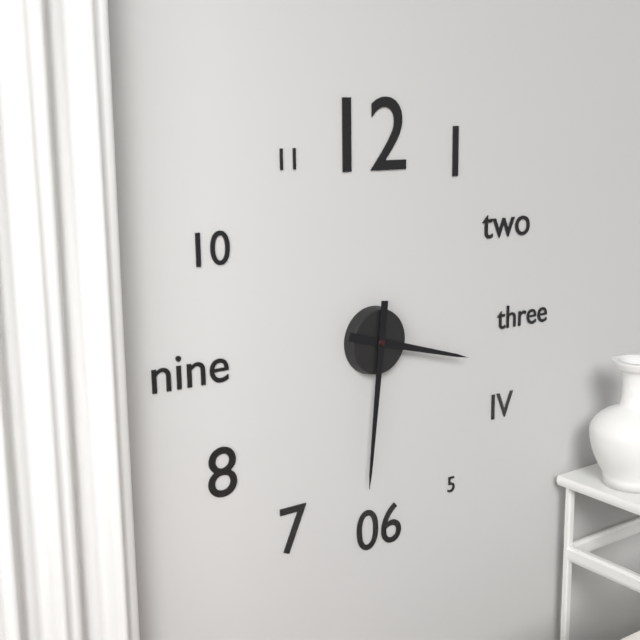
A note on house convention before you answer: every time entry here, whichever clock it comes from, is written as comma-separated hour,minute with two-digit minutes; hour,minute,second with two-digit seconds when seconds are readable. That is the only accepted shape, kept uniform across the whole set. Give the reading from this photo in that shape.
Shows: 3,31
